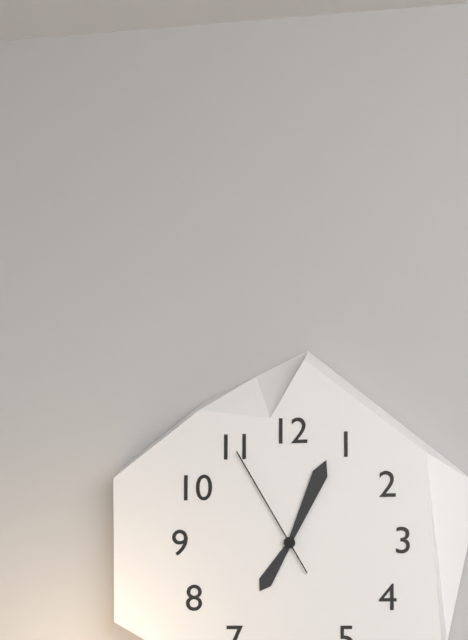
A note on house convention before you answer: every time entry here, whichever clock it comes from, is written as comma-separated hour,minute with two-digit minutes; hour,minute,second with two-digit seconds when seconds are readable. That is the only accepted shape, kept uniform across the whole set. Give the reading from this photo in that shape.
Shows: 7,04,55
